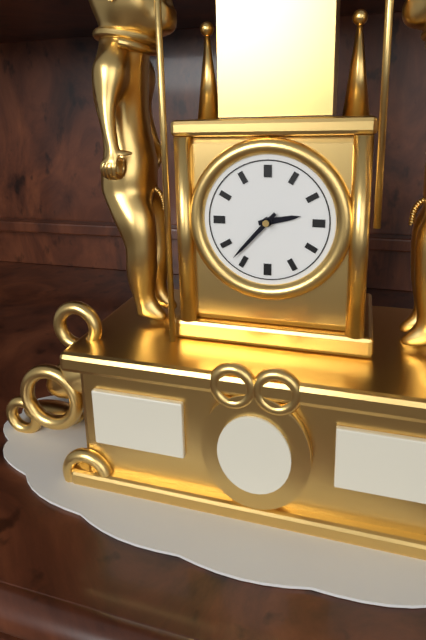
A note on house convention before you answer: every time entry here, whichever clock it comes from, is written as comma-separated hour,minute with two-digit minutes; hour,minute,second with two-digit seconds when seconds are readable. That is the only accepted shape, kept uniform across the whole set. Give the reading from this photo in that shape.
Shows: 2,37
